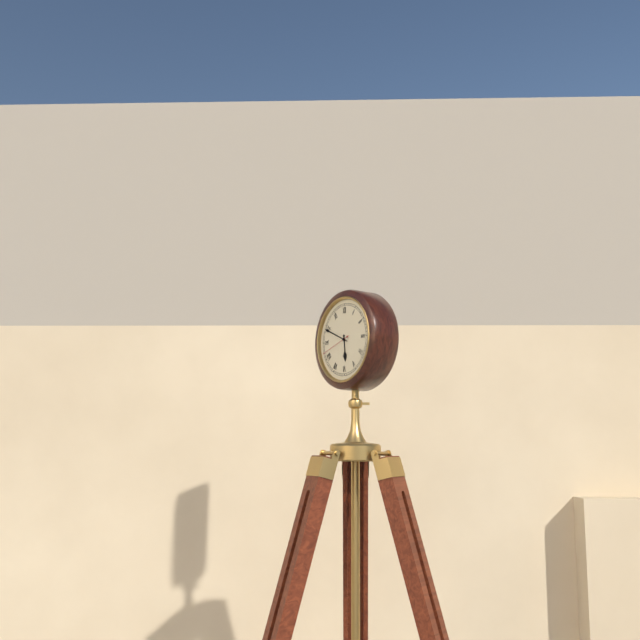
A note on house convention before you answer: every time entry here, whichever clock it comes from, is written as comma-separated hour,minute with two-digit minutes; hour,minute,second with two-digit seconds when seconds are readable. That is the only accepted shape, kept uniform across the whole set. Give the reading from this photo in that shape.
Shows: 5,49
